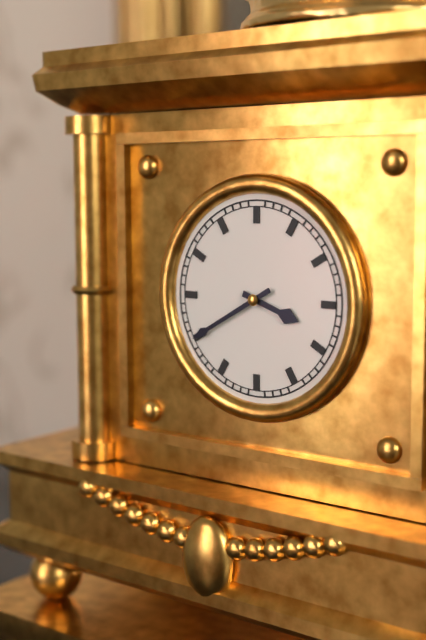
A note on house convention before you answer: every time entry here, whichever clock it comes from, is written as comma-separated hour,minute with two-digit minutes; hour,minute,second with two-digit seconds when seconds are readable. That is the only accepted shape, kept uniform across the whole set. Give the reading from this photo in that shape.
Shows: 3,40
